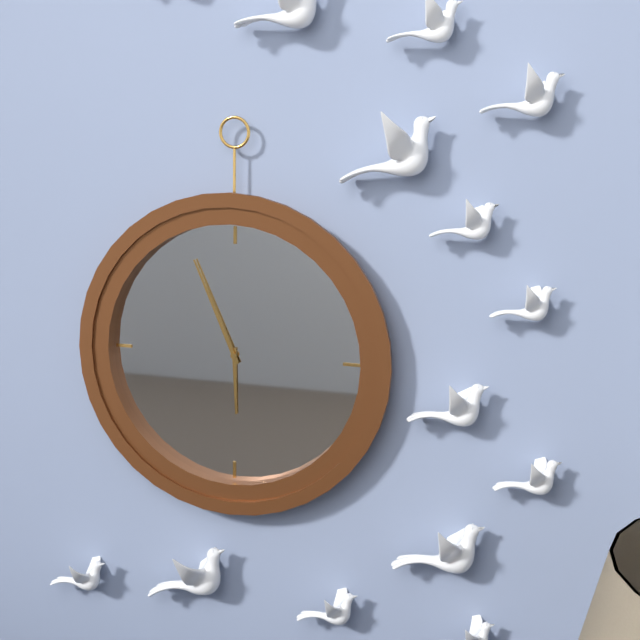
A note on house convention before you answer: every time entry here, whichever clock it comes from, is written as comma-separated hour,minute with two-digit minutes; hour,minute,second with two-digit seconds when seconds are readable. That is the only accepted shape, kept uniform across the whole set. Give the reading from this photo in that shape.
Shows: 5,56
